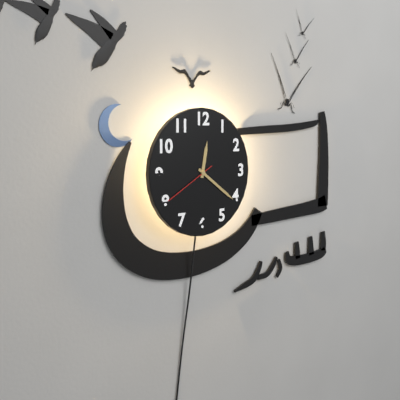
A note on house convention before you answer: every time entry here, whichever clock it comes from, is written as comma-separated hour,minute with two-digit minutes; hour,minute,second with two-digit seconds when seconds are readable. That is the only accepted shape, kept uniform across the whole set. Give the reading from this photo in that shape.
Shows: 12,21
